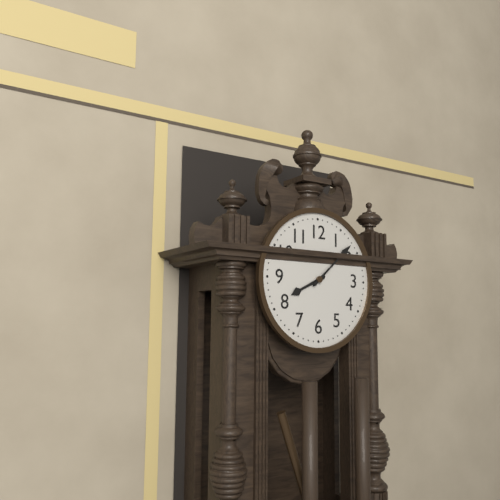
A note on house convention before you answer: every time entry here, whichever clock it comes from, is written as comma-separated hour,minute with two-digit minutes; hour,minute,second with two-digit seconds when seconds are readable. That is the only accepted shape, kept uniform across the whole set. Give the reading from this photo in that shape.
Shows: 8,08
